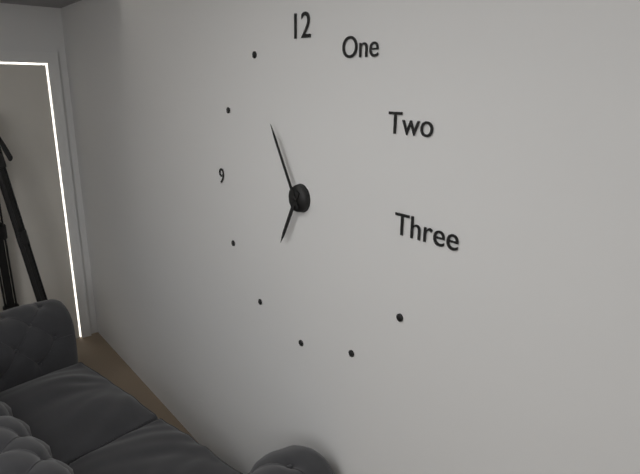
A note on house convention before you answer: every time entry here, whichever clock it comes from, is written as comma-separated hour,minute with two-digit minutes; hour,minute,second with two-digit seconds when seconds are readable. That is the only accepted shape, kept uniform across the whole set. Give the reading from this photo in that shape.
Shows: 6,55
